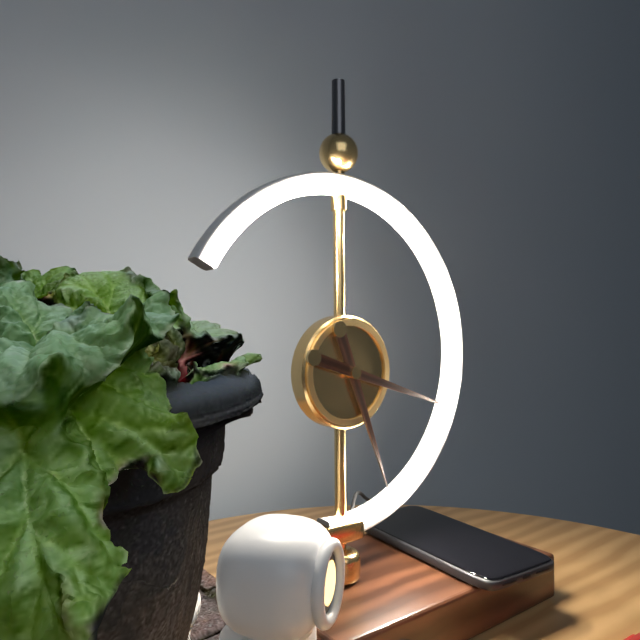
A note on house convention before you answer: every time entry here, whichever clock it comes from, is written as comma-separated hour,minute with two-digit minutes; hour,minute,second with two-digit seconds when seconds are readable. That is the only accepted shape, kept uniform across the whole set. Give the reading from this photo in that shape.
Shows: 5,18
